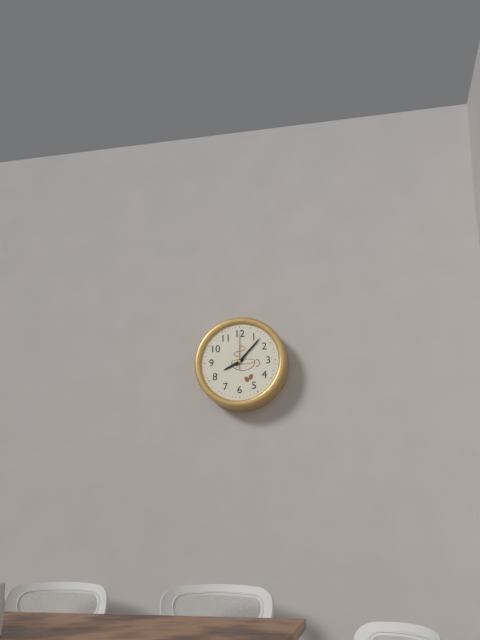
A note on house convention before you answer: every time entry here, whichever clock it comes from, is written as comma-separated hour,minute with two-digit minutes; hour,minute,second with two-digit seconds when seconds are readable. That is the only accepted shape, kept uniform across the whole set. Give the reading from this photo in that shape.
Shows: 8,07
